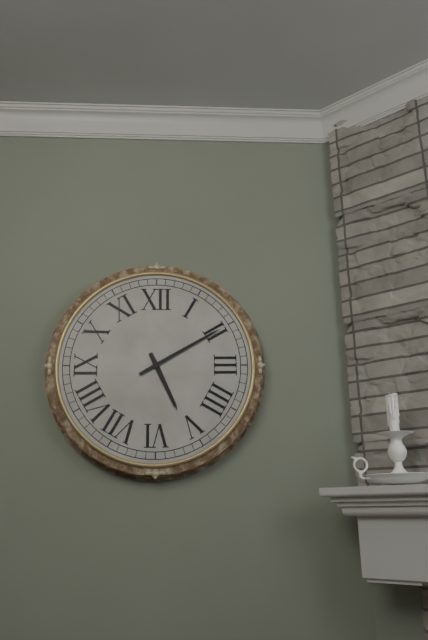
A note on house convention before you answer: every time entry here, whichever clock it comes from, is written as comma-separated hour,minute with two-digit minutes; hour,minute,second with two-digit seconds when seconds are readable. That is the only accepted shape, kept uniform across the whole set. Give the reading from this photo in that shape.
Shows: 5,10
